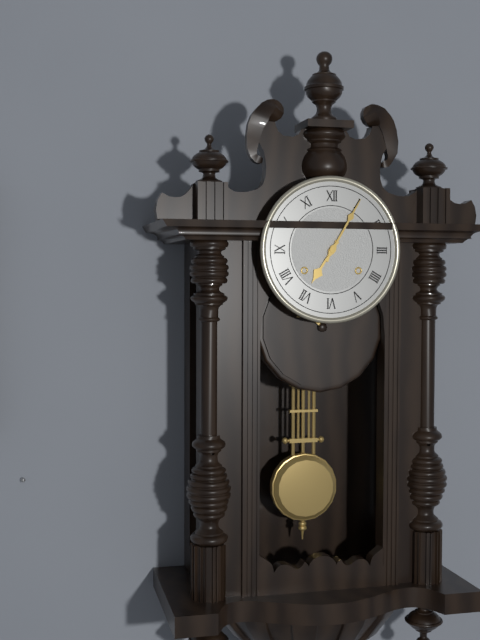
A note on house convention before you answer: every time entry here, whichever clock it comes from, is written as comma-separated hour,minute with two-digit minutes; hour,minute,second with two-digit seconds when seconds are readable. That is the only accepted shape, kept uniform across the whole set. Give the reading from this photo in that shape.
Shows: 7,05
